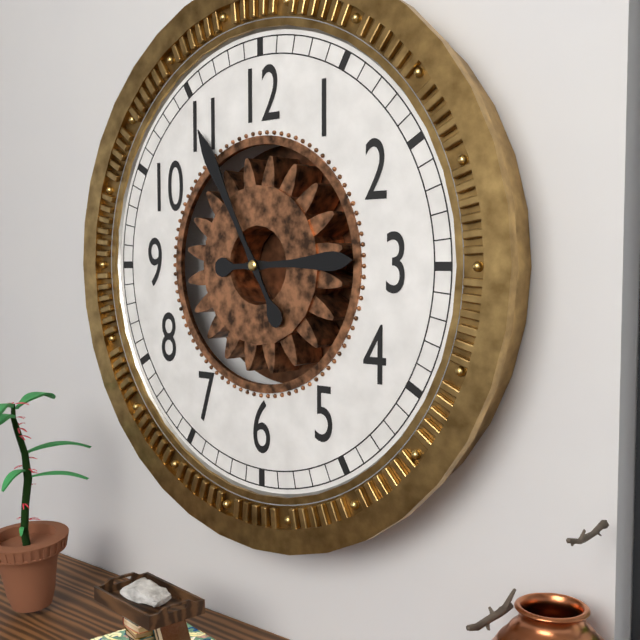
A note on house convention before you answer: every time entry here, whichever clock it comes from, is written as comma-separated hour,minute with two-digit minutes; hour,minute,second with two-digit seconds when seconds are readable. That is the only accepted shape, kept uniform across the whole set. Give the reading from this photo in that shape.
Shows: 2,55
